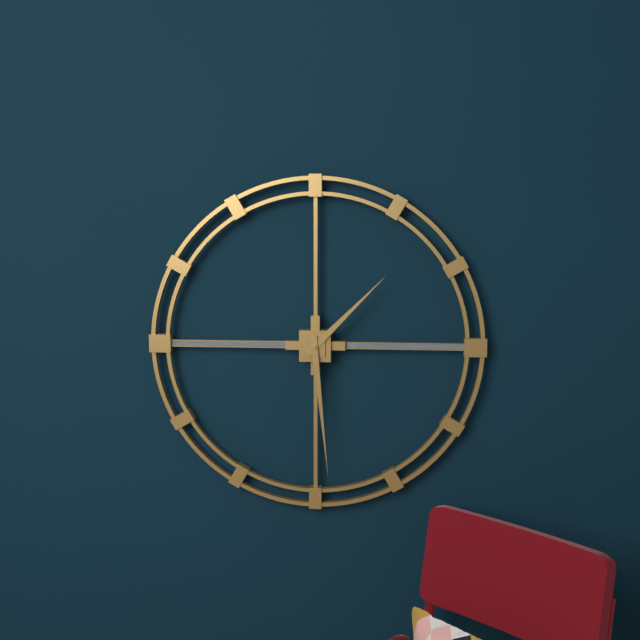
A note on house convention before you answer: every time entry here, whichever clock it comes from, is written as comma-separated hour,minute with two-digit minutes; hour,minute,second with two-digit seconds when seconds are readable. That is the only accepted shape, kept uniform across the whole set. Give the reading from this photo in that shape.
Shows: 1,29
